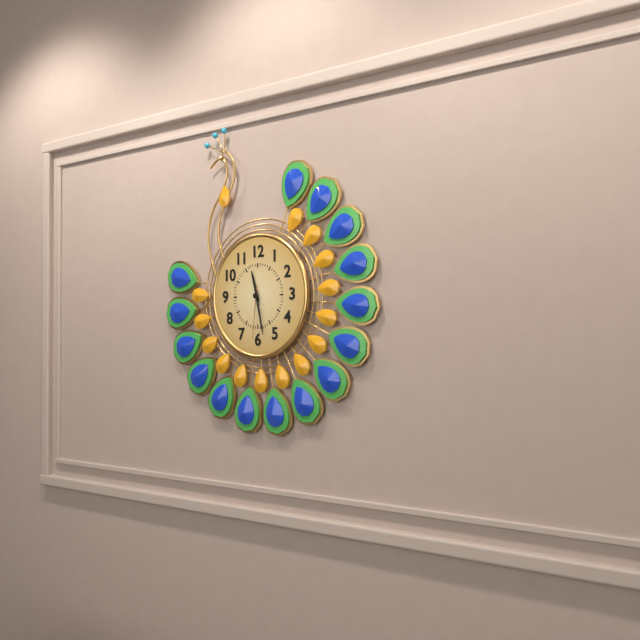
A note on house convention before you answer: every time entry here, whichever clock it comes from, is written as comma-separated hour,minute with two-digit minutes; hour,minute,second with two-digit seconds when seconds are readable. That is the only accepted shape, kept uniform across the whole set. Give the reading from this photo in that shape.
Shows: 11,28,31
